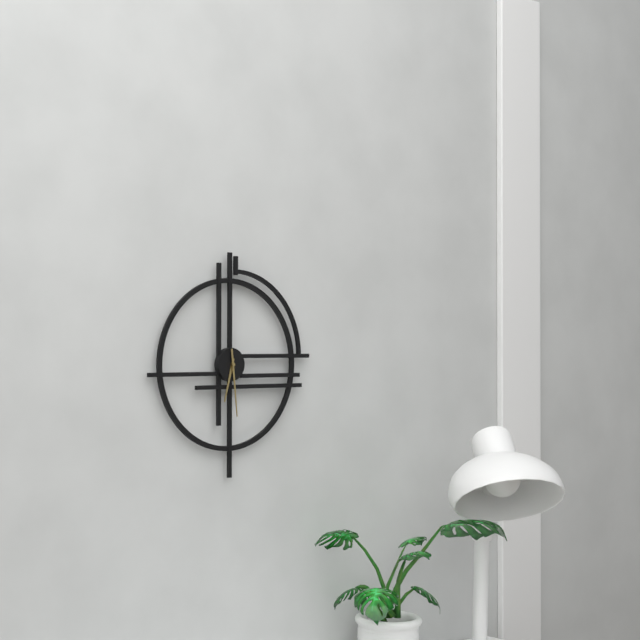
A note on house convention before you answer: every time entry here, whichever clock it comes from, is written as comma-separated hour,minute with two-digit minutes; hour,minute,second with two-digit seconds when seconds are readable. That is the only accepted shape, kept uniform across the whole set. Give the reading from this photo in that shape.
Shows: 6,29
